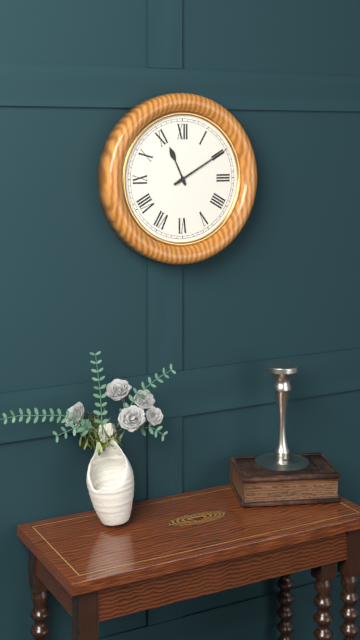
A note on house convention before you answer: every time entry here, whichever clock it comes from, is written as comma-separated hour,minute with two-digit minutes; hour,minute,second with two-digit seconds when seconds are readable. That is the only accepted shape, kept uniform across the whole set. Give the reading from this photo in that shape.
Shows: 11,10
